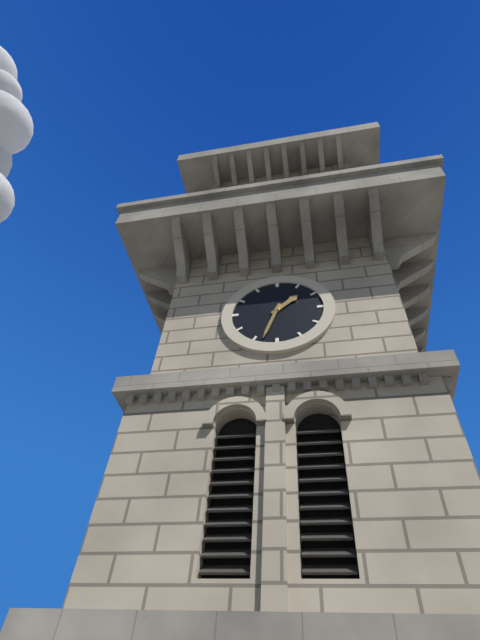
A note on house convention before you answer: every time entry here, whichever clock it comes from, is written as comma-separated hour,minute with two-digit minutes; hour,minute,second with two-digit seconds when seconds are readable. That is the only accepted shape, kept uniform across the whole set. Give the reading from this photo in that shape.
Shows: 1,33
